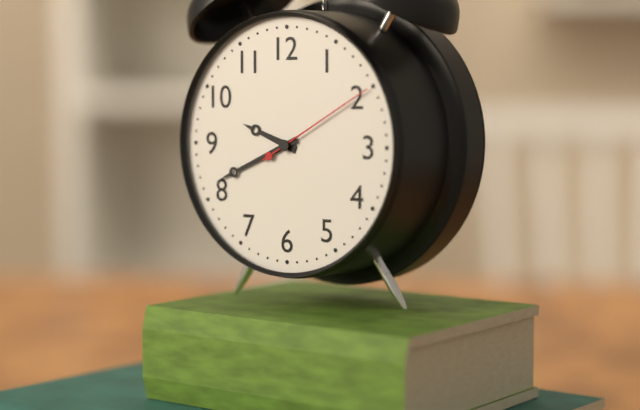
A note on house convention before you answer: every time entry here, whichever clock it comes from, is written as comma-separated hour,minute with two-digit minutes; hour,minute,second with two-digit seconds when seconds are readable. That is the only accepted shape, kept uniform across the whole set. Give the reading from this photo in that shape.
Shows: 9,41,10
